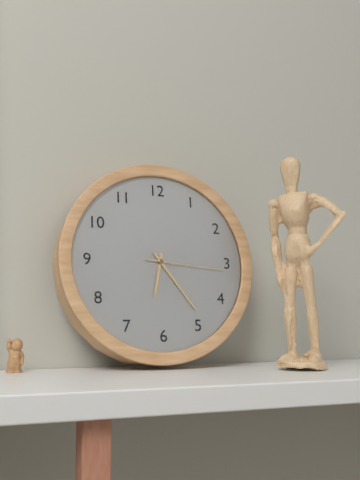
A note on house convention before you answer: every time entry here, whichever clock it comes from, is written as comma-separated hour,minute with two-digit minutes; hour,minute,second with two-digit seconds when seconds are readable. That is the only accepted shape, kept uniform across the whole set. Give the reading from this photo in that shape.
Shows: 6,24,16
